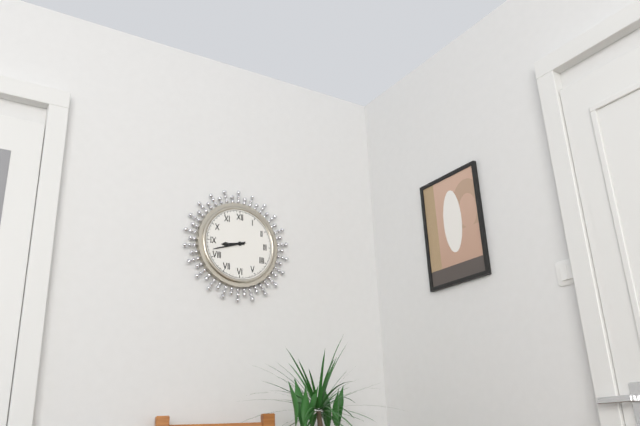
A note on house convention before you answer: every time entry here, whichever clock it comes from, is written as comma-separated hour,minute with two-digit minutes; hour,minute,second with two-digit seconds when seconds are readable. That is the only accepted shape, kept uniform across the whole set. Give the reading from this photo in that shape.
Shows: 8,42
